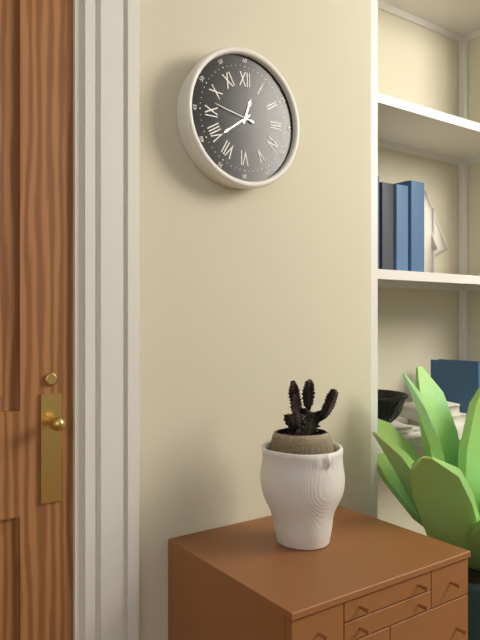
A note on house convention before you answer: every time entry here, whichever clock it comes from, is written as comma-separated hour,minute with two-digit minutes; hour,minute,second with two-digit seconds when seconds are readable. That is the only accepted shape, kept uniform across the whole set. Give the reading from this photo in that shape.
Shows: 12,39
